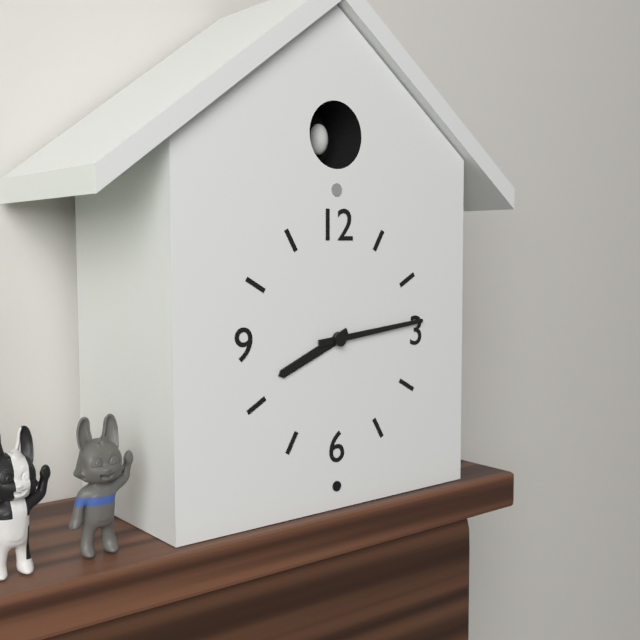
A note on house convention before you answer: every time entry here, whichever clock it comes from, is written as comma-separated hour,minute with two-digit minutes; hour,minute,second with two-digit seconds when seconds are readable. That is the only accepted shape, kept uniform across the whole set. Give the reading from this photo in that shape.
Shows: 8,14
